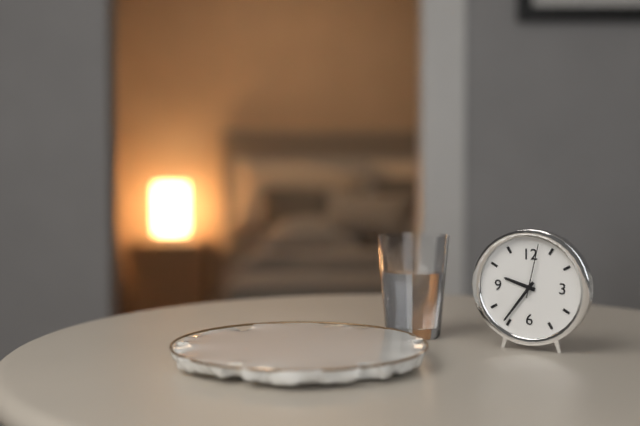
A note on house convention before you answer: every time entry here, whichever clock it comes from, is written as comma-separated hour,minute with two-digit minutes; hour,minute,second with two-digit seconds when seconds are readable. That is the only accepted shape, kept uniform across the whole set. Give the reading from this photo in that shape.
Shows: 9,36,02
